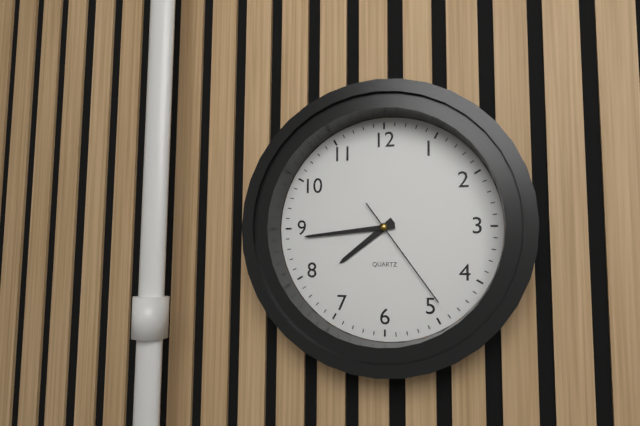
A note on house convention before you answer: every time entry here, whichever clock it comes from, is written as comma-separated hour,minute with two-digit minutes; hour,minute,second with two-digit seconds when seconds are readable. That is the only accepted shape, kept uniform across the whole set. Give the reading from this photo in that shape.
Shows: 7,44,24
